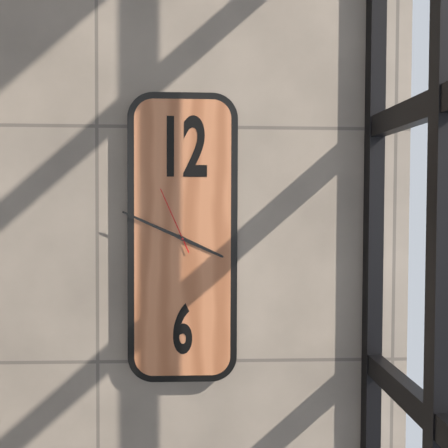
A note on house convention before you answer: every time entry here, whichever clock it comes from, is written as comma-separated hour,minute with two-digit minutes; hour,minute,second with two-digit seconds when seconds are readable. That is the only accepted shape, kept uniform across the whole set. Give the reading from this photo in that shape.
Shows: 3,49,56
